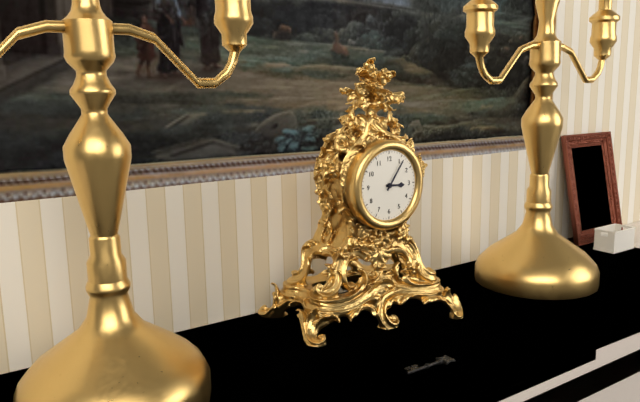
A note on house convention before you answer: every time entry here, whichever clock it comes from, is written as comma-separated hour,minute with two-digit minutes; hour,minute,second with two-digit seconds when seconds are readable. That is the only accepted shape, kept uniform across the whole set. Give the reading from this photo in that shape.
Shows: 3,06
